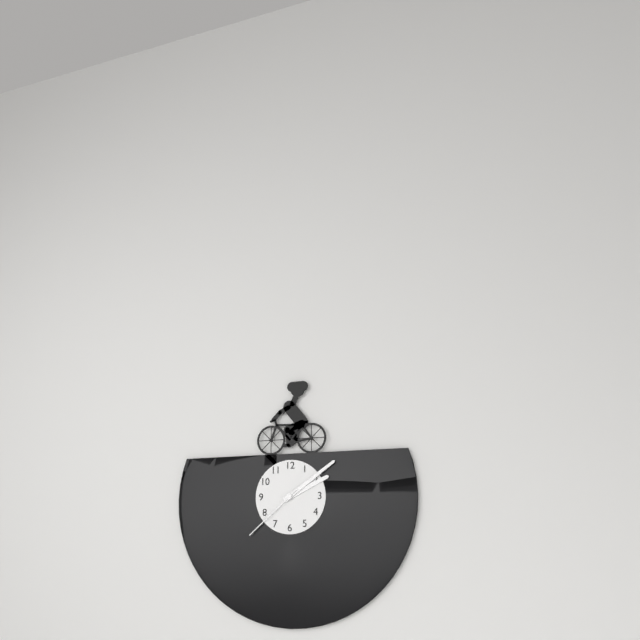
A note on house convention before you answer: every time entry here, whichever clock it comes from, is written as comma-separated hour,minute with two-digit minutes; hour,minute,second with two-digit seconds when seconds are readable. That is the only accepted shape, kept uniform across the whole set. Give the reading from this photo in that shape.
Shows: 2,09,38
